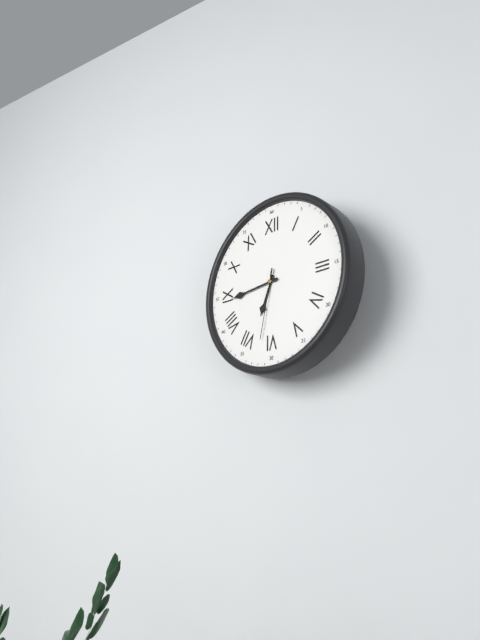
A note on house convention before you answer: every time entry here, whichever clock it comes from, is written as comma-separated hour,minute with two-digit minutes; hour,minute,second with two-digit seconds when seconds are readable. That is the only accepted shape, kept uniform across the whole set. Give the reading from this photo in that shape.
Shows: 6,44,32
